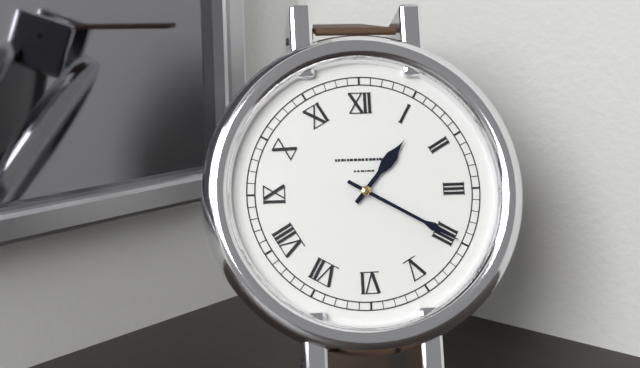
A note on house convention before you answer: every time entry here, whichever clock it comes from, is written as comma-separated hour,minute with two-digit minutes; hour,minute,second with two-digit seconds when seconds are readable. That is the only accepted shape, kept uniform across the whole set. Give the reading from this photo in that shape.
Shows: 1,20
